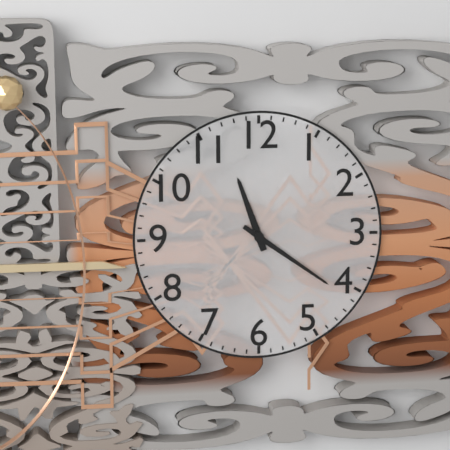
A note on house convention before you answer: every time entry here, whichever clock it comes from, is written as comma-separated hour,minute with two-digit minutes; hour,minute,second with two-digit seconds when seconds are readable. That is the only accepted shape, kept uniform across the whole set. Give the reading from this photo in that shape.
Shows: 11,21
